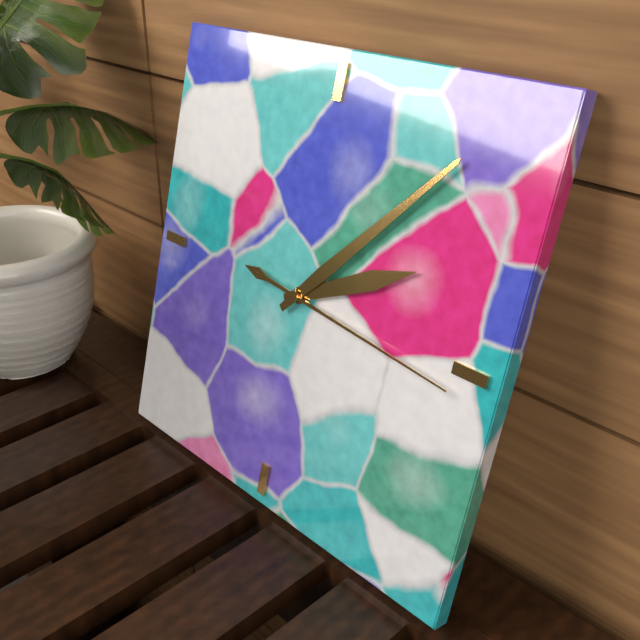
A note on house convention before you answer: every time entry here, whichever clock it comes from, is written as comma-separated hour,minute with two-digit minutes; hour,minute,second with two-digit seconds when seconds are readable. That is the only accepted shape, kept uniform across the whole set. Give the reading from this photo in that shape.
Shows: 2,07,16
